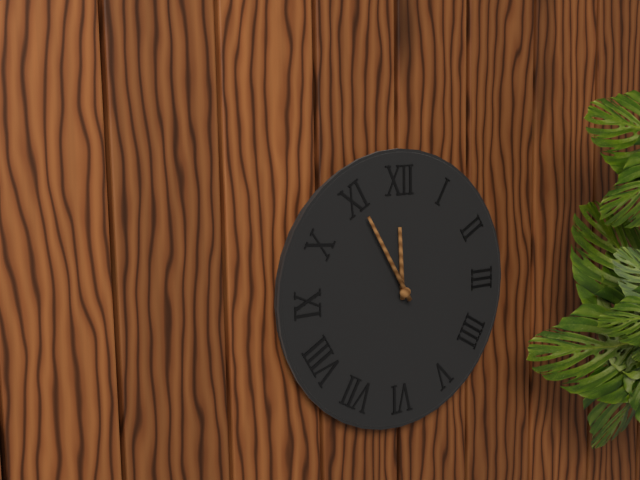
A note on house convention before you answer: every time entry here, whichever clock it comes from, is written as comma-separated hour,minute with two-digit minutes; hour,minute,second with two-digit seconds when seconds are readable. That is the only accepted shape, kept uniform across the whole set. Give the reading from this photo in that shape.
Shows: 11,55
